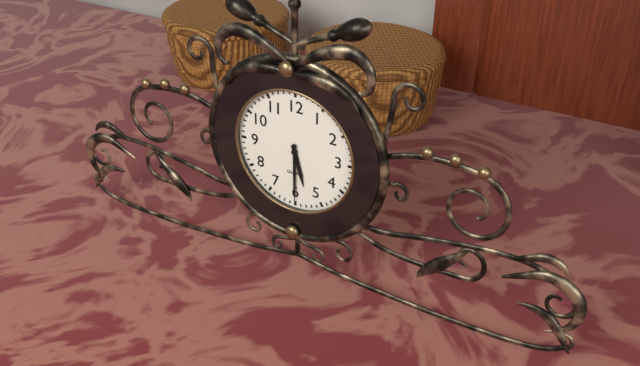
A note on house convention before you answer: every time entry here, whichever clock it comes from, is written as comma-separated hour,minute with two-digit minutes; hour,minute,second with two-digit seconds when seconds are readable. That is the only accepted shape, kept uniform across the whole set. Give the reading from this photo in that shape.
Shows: 5,30
